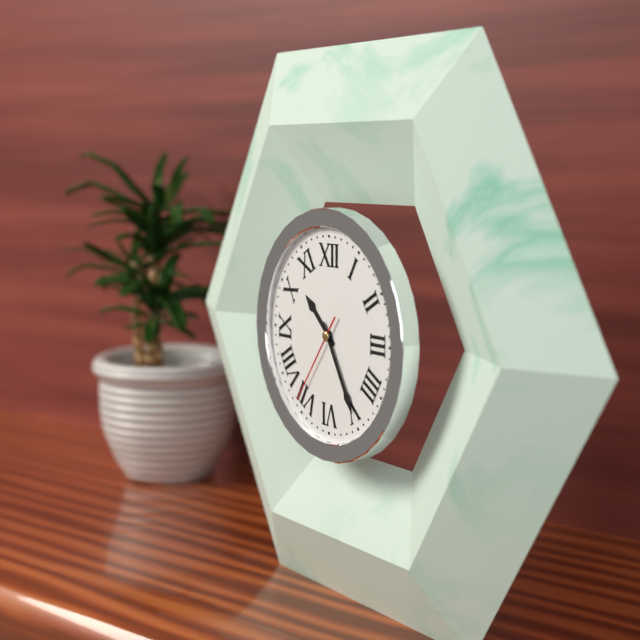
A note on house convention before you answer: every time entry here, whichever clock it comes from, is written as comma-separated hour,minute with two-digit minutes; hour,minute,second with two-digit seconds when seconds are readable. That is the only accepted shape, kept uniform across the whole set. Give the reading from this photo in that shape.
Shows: 10,25,36
